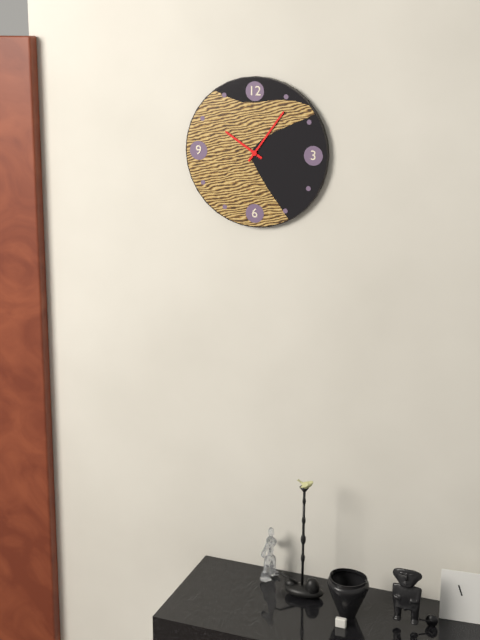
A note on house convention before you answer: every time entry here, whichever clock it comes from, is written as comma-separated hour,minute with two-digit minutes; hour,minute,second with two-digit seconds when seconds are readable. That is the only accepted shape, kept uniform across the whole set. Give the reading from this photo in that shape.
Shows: 10,06
